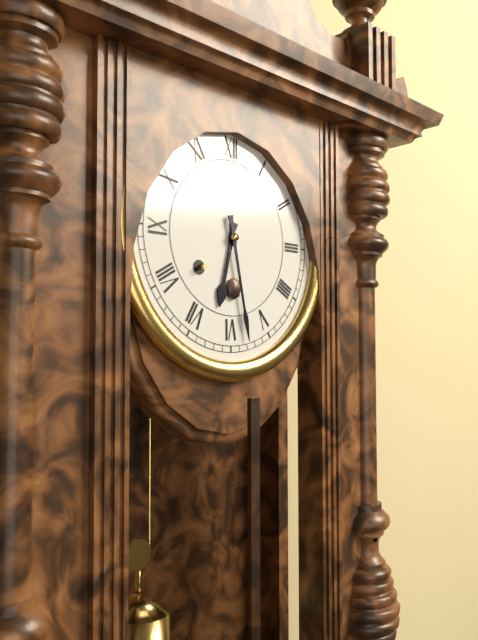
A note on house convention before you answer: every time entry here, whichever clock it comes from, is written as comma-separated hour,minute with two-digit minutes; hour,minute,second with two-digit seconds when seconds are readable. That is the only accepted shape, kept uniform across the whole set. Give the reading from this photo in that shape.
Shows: 6,28
